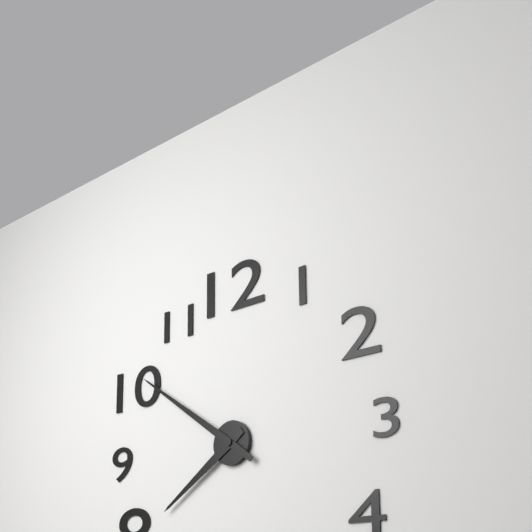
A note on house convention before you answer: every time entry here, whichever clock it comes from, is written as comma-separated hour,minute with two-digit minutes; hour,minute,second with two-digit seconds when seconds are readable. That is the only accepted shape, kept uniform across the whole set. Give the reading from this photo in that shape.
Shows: 7,51
